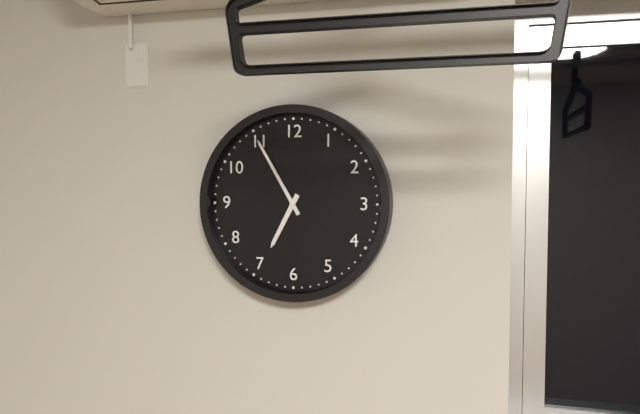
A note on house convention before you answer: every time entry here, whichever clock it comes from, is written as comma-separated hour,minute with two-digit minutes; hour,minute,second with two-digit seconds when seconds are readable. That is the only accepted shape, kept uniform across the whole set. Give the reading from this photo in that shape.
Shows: 6,55
